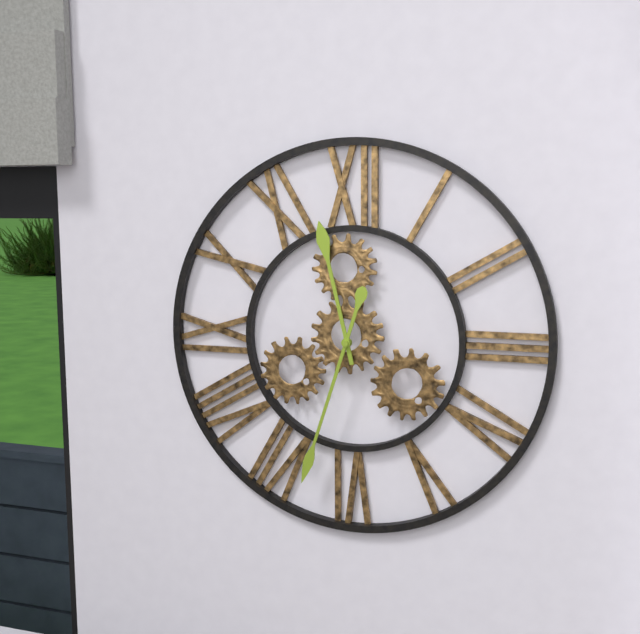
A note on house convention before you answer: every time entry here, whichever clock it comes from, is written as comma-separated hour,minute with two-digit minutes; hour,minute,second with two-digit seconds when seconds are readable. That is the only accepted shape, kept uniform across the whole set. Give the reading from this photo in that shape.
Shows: 11,33
